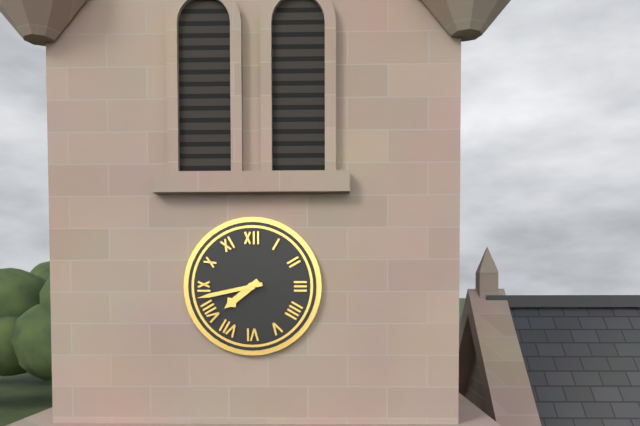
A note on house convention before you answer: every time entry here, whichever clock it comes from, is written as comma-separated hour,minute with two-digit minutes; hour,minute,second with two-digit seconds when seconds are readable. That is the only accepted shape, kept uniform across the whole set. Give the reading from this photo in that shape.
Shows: 7,43
